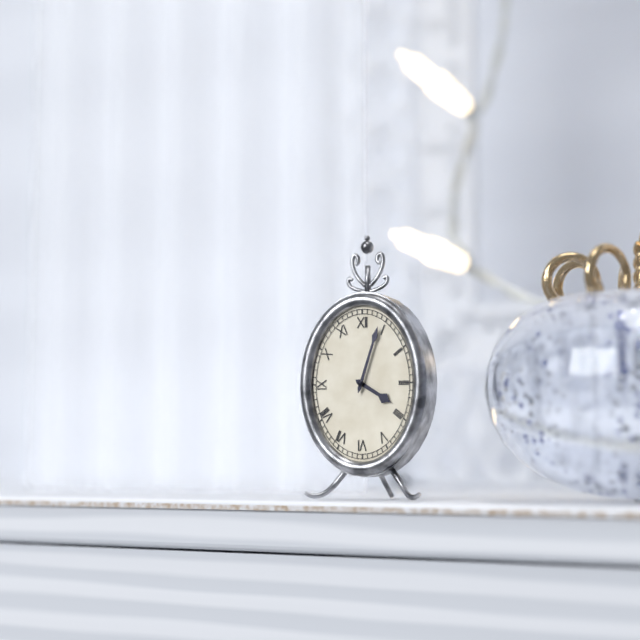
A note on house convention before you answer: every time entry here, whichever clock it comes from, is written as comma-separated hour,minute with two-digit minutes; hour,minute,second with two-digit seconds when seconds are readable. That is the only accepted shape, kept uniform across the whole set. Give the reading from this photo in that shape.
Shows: 4,03
